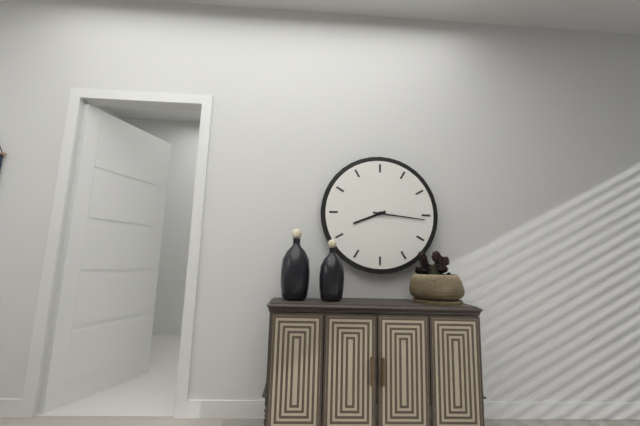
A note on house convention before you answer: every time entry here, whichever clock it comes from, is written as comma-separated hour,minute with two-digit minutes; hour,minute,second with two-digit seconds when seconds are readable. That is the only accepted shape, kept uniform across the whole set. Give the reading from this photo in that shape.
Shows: 8,16
